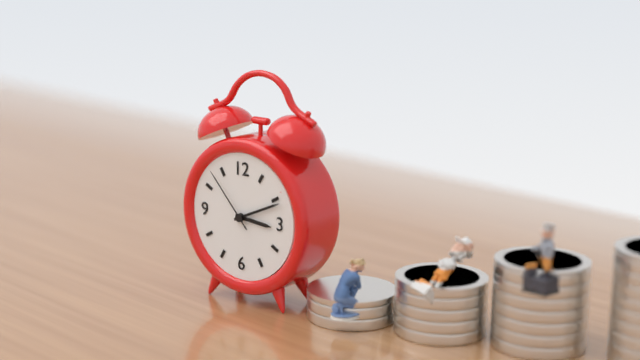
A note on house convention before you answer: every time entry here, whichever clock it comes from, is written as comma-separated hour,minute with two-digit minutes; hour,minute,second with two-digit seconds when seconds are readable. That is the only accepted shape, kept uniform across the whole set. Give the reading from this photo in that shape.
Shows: 3,11,53
